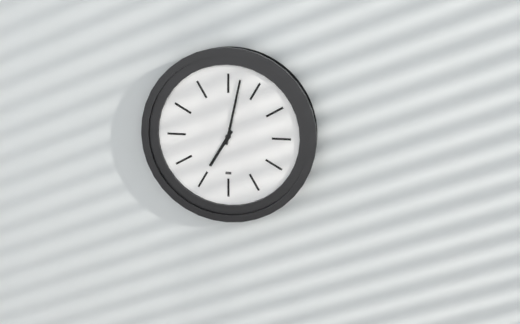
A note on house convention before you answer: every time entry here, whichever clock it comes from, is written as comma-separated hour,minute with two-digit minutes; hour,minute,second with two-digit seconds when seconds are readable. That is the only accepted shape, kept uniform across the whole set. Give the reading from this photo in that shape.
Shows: 7,02
